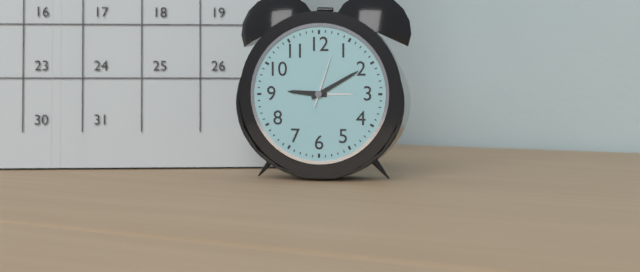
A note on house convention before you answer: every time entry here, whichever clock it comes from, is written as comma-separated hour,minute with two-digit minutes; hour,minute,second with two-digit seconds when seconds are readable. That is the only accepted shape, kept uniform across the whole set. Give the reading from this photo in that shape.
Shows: 9,10,03
